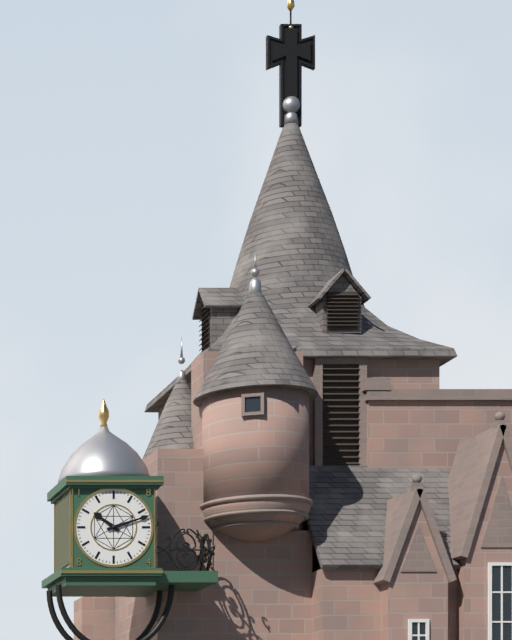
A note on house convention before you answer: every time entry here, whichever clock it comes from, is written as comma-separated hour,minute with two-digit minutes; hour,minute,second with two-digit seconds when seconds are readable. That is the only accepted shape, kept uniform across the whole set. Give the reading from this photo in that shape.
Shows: 10,12
